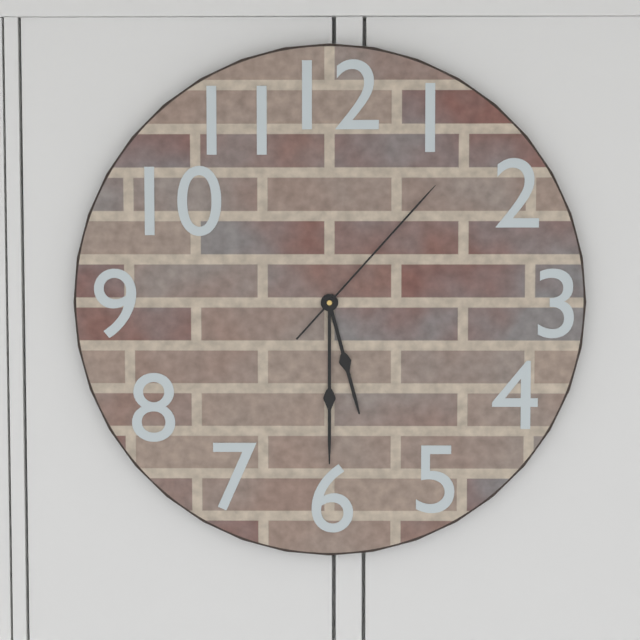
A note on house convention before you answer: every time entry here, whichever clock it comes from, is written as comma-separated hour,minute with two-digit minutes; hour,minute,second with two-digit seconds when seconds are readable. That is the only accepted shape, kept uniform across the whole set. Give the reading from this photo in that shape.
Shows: 5,30,07
